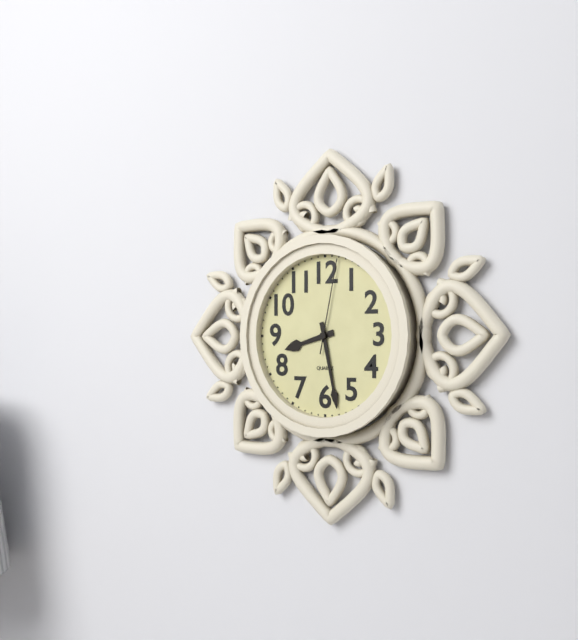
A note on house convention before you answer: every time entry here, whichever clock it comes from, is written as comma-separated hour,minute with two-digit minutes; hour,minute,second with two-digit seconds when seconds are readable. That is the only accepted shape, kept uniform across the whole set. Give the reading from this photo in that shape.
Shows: 8,28,02
